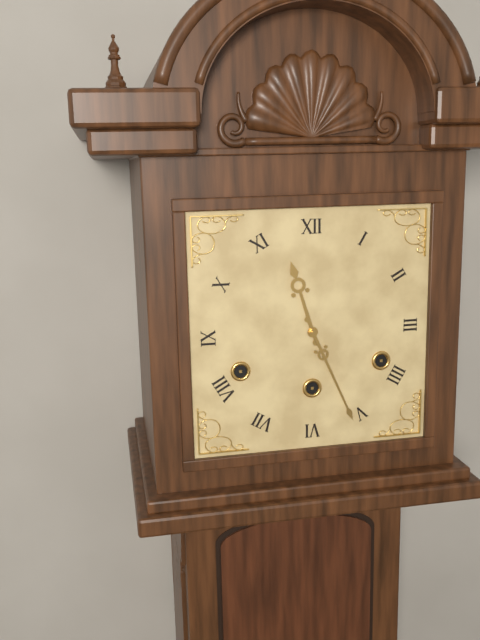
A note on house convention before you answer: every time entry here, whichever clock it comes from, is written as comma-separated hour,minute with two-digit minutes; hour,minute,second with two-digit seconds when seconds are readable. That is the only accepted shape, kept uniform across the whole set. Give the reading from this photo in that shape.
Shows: 11,26
